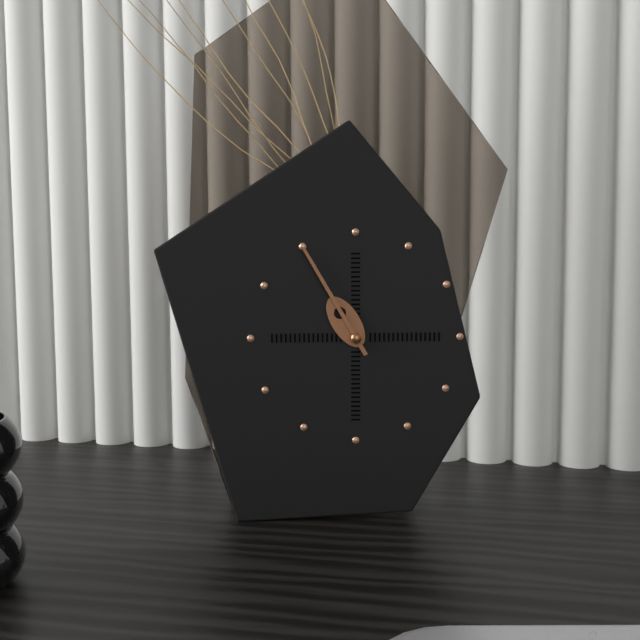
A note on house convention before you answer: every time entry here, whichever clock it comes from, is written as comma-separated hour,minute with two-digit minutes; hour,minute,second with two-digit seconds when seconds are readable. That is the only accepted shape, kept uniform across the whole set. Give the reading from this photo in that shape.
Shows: 10,55
